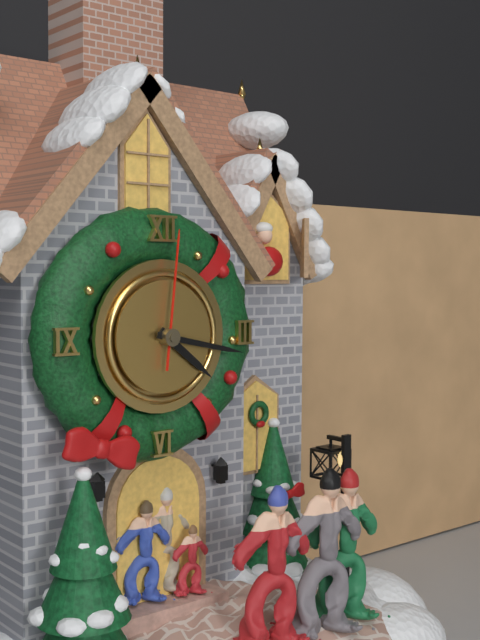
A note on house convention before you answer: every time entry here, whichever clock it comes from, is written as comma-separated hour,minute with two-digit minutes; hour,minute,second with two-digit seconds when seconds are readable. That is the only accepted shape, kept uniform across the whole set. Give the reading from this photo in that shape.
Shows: 4,17,01
